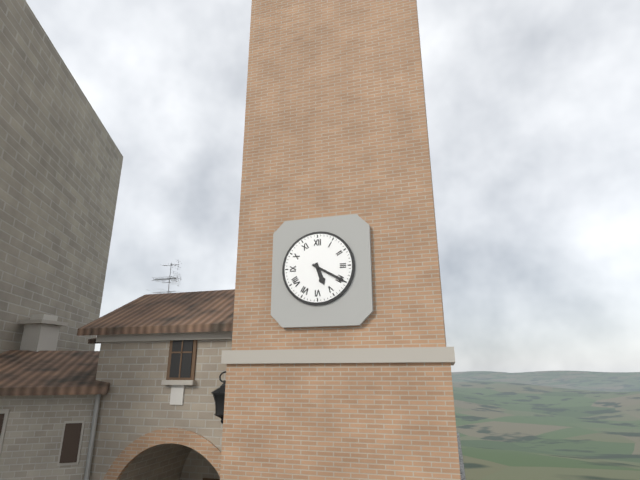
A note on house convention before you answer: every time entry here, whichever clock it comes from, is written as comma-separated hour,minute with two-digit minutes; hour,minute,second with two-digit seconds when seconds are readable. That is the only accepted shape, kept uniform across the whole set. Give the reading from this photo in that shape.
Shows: 5,20
